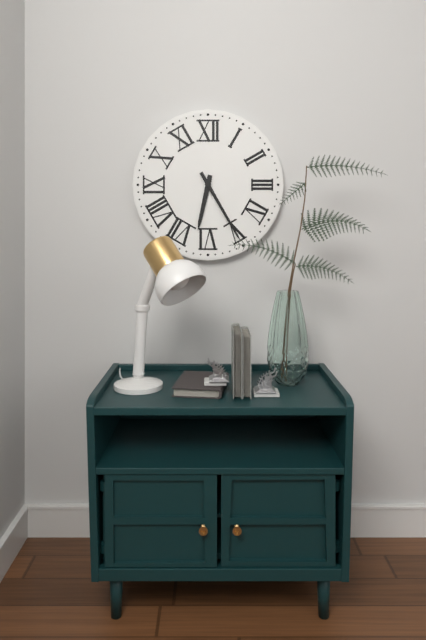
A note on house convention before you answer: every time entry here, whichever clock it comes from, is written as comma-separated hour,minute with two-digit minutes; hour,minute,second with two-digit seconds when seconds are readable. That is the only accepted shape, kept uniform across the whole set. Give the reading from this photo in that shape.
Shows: 6,25
